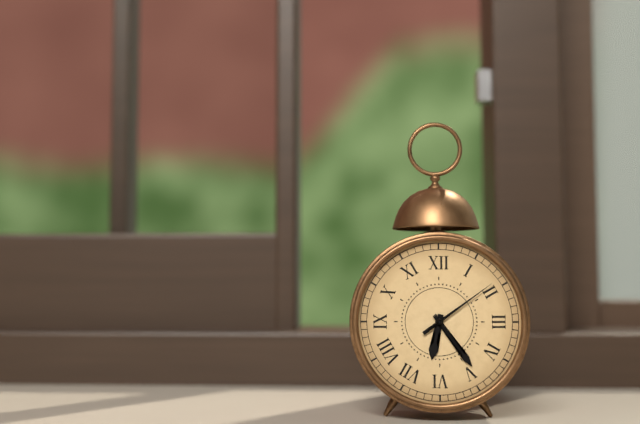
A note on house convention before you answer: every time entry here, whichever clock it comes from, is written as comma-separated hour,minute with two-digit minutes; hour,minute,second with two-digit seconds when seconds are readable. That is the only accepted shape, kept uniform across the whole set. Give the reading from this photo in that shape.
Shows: 6,24,09
